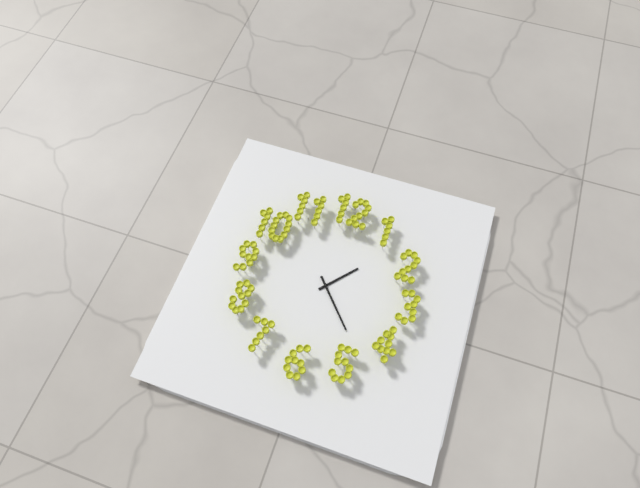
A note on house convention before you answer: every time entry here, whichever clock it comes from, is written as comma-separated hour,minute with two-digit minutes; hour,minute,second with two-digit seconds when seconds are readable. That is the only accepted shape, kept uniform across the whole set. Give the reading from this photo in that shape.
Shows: 1,23
